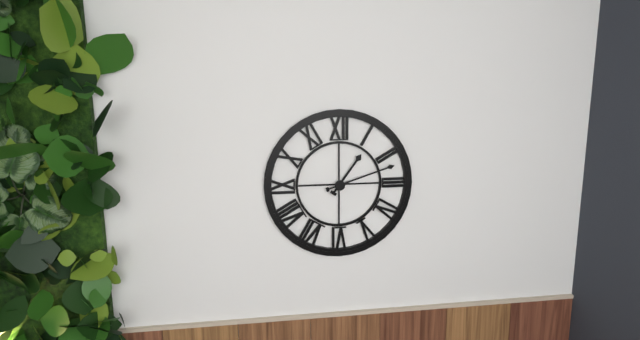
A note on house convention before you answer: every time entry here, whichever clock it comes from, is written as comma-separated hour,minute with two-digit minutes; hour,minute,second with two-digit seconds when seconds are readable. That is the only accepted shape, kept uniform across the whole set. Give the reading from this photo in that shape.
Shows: 1,12
